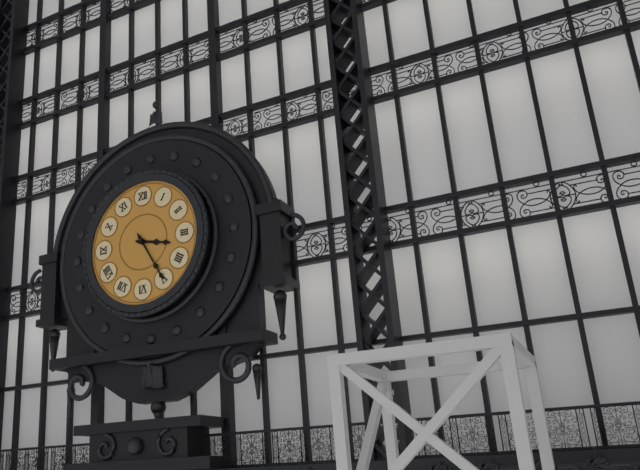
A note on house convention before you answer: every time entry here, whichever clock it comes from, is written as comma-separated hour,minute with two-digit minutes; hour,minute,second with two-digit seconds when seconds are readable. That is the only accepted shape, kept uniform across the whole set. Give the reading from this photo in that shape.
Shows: 3,25
